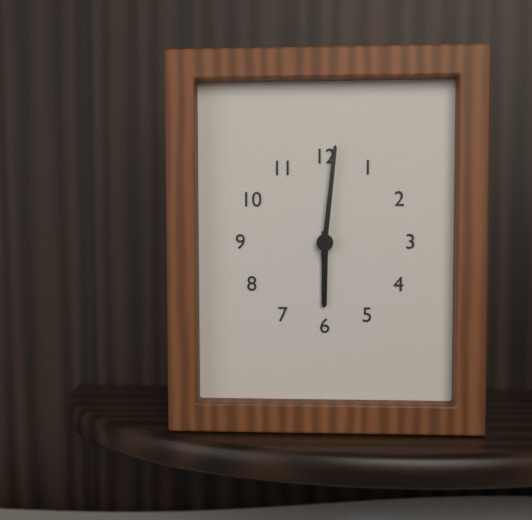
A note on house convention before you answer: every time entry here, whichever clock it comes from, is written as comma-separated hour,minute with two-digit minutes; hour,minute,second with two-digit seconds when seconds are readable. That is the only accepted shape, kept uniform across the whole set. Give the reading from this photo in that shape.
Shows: 6,01
